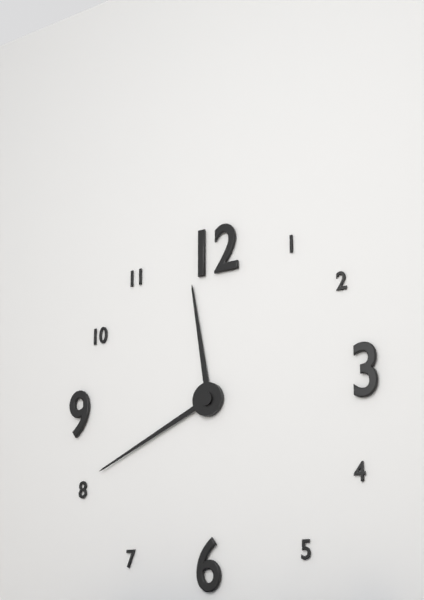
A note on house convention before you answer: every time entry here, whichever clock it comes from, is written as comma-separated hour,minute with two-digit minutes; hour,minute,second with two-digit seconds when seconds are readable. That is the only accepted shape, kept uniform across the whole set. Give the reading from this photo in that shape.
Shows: 11,41
